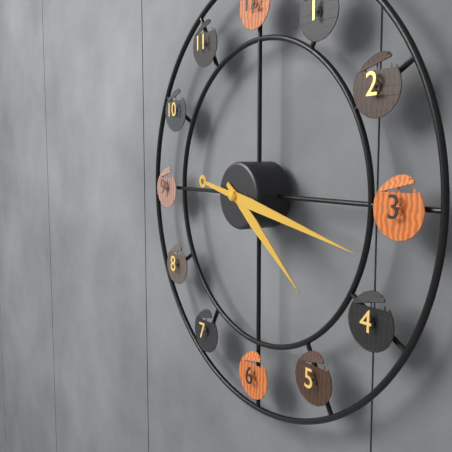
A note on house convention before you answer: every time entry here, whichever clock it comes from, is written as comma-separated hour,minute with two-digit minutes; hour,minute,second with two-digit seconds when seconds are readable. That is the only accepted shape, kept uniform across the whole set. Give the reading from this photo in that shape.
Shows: 4,17
